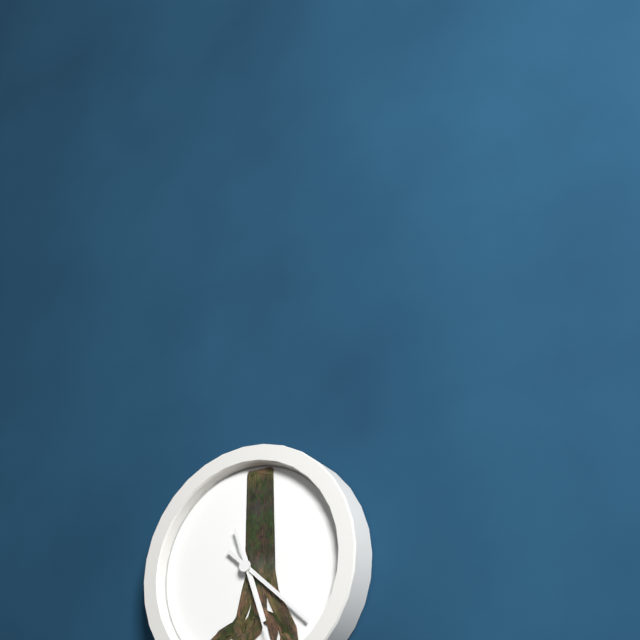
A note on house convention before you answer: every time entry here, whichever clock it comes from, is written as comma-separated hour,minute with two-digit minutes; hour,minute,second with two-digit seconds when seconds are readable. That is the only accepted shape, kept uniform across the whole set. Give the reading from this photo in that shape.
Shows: 5,22
